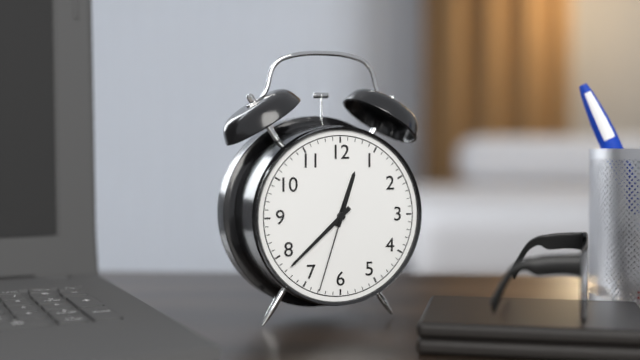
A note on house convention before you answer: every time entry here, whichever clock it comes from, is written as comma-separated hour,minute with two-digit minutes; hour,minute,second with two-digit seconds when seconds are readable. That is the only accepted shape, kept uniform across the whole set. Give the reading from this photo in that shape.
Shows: 12,38,33
